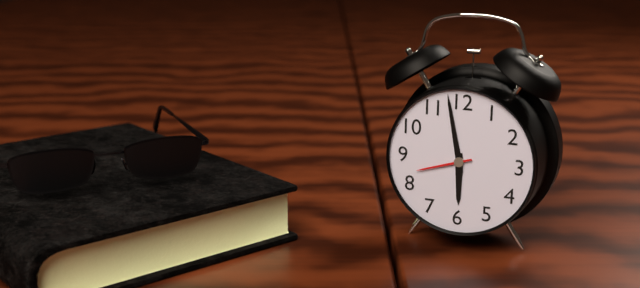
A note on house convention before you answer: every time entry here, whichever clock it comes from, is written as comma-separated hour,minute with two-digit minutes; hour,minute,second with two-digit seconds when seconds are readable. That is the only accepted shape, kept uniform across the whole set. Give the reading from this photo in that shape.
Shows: 5,58,42
